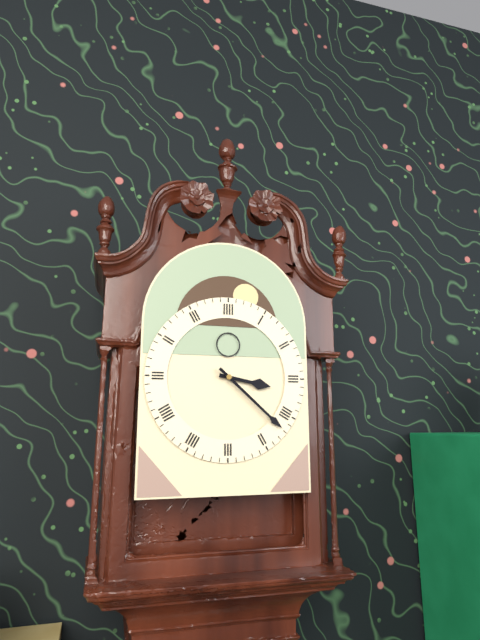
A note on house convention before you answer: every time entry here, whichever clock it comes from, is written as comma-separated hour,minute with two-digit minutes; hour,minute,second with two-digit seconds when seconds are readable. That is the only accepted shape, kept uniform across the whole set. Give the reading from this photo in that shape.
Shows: 3,22
